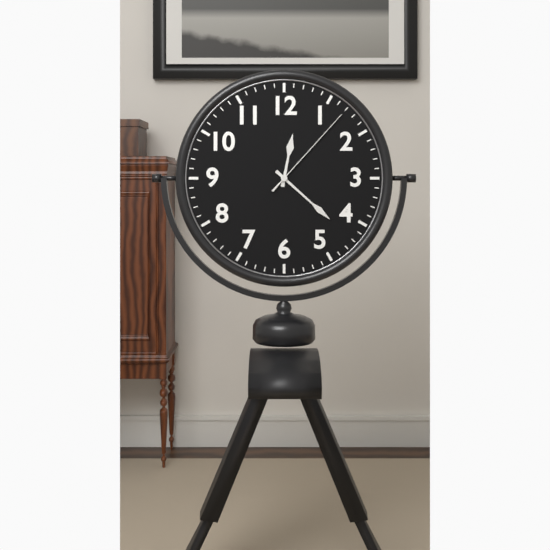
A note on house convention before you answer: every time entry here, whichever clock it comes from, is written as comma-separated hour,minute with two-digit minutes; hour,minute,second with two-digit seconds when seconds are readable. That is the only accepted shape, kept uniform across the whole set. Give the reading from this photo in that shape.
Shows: 12,22,07
